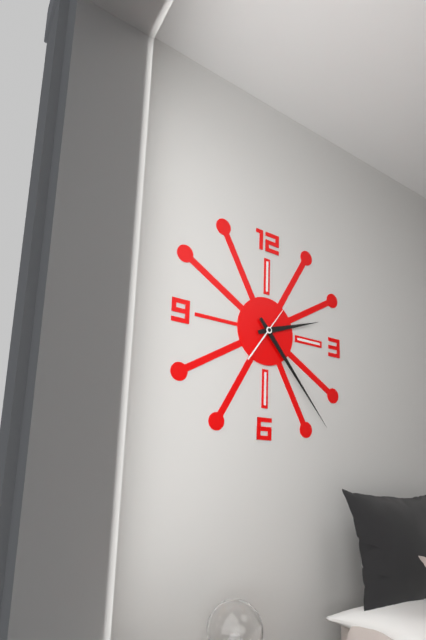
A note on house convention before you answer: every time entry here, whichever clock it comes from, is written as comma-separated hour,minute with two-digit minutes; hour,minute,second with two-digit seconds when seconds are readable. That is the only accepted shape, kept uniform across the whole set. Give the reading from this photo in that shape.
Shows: 2,23
